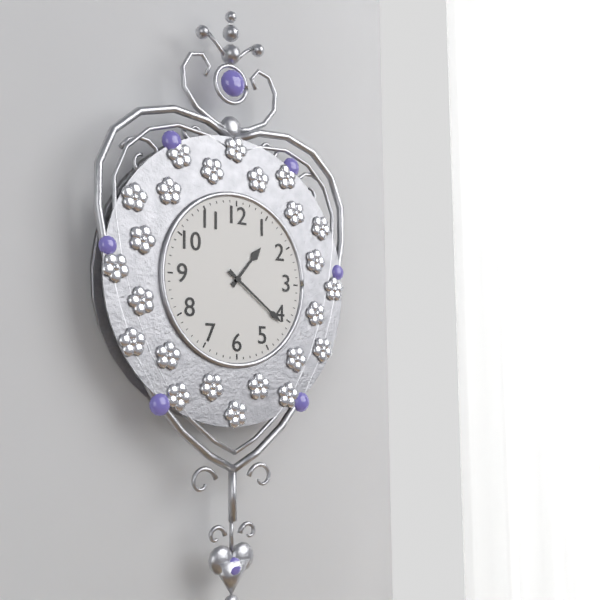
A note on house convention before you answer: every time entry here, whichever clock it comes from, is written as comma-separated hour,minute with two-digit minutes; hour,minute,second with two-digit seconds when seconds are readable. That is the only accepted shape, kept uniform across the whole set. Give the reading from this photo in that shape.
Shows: 1,21
